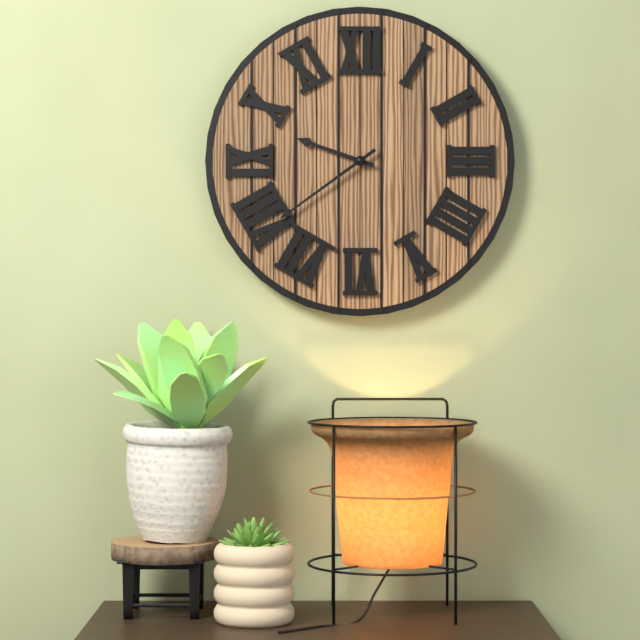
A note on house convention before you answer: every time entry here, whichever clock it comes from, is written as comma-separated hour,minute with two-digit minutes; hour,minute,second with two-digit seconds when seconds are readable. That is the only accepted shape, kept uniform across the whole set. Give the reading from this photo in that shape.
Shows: 9,39
